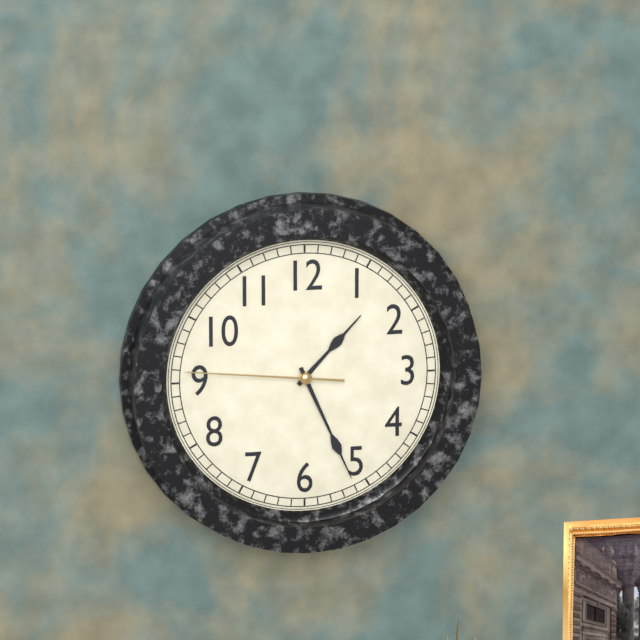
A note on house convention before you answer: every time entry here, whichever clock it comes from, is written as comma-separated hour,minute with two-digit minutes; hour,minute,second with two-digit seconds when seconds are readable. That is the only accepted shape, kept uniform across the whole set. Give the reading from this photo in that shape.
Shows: 1,26,46
